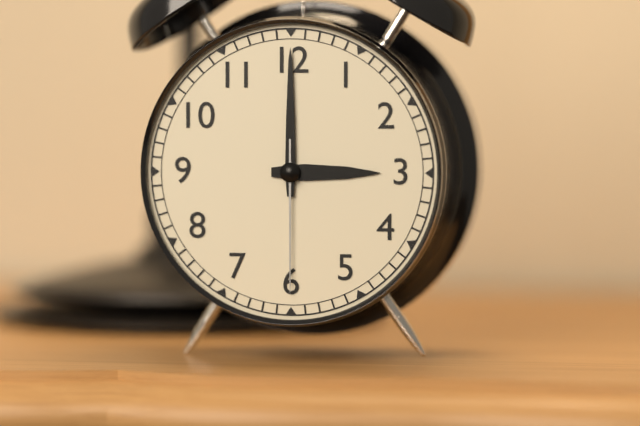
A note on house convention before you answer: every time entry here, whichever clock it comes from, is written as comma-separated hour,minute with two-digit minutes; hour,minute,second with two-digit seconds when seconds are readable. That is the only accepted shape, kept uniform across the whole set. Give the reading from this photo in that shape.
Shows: 3,00,30
